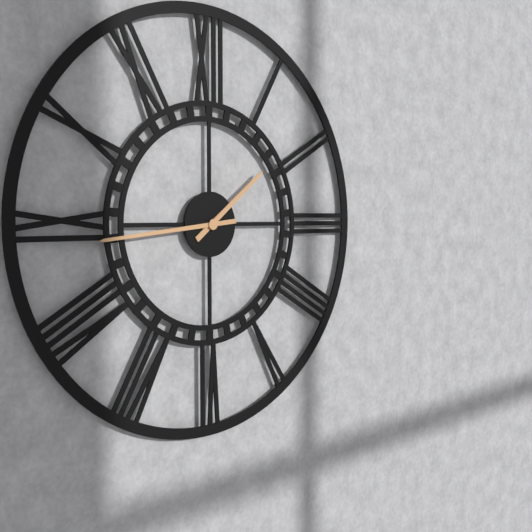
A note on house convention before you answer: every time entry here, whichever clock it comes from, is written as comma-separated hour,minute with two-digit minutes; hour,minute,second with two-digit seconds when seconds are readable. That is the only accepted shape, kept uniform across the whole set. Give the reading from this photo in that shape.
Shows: 1,44
